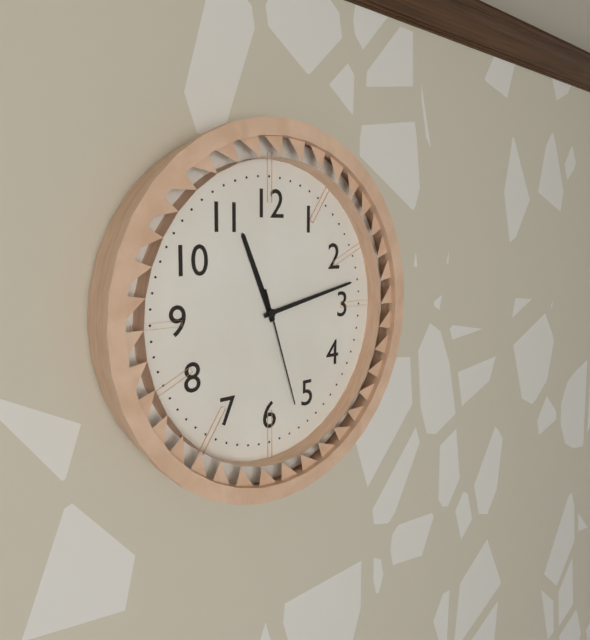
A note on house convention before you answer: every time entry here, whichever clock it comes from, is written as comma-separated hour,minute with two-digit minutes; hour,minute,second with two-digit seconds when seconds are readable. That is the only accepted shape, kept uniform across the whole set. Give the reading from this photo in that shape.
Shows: 11,13,27
